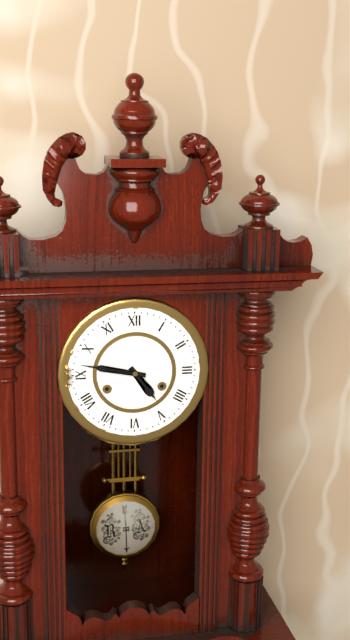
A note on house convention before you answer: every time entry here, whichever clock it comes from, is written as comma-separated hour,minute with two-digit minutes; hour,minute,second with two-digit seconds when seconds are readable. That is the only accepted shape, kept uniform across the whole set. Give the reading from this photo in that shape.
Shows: 4,47
